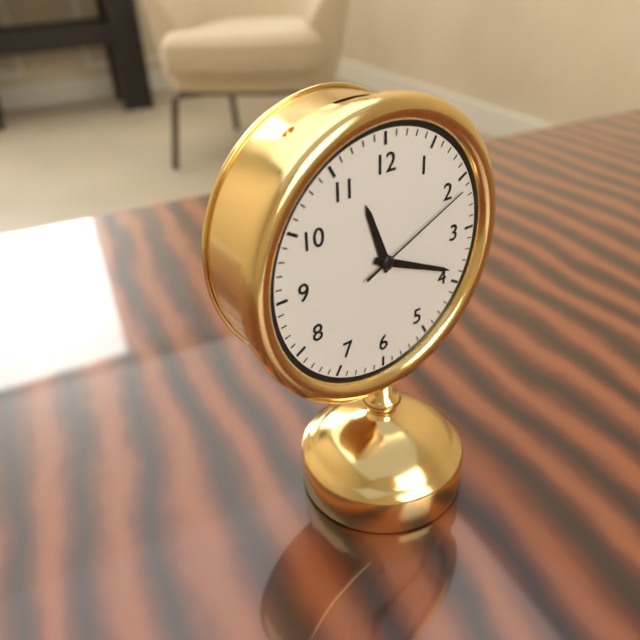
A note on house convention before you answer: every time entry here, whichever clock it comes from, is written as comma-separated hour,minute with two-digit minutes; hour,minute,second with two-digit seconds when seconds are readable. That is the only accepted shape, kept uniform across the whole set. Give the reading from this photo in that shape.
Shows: 11,19,11
